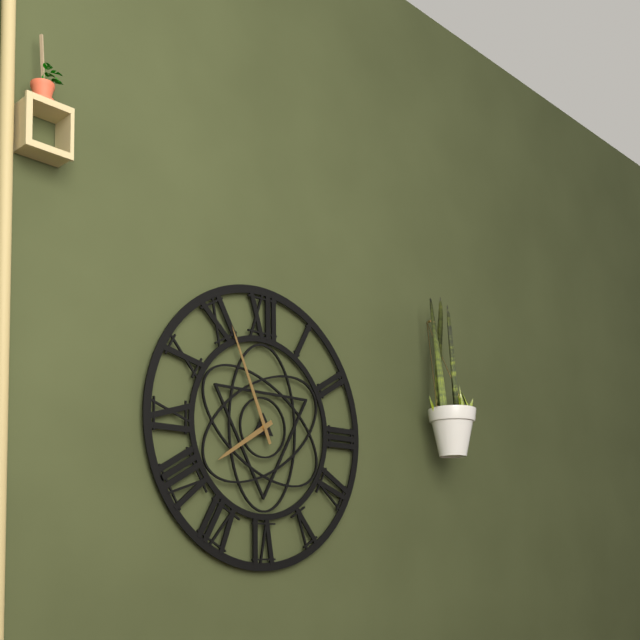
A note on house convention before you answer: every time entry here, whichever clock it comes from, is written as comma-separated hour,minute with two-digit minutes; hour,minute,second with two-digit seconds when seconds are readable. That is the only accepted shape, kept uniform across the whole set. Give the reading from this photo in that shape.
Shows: 7,56
